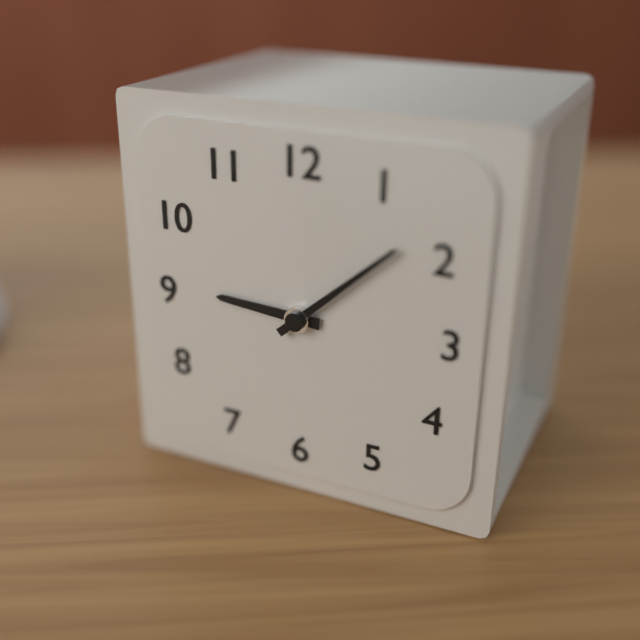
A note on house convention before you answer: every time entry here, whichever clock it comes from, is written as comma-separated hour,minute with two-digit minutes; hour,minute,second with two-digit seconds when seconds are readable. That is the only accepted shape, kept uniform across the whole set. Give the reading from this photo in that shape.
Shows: 9,08
